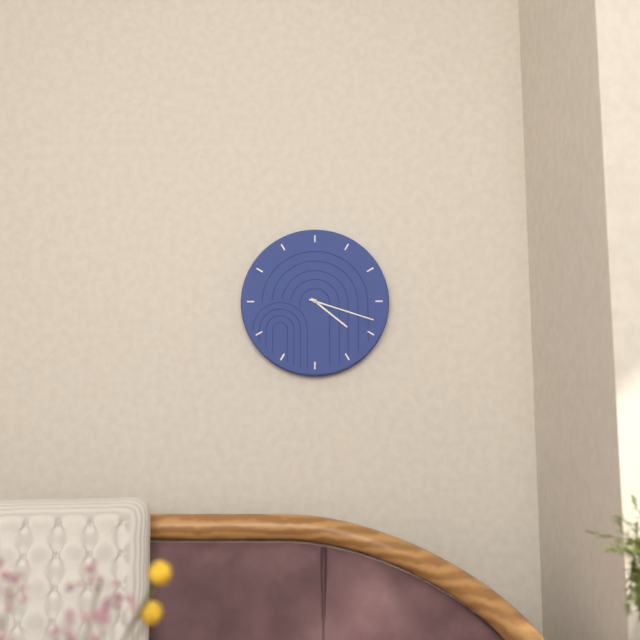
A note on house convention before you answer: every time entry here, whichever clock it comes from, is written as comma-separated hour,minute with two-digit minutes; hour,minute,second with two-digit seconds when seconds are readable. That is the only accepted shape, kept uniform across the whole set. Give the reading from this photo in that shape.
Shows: 4,18
